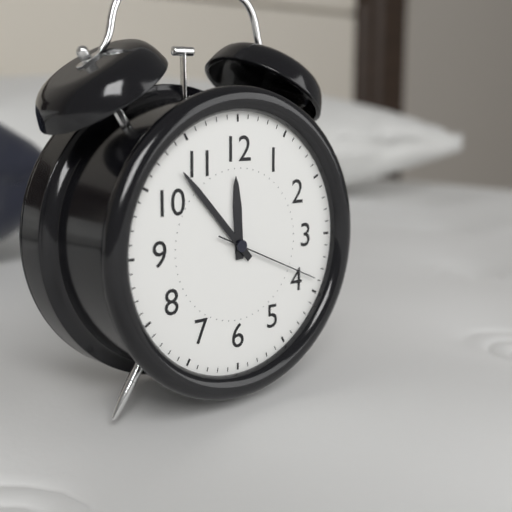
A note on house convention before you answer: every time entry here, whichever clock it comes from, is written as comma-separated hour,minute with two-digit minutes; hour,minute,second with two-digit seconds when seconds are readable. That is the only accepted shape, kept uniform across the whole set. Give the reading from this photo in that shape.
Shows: 11,53,19
